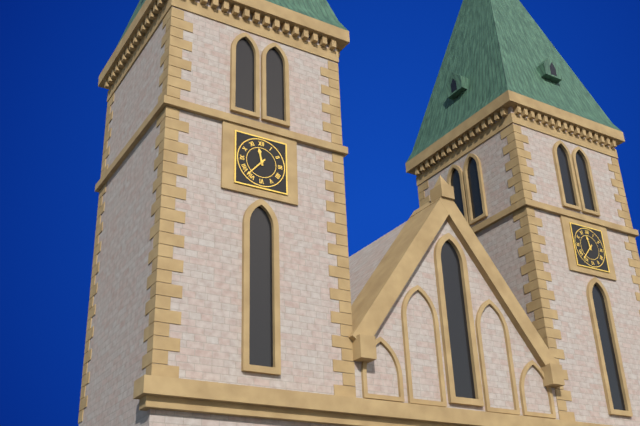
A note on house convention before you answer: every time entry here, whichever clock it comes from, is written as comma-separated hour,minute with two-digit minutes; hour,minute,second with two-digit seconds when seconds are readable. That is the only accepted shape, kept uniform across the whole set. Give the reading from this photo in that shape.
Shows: 11,37
